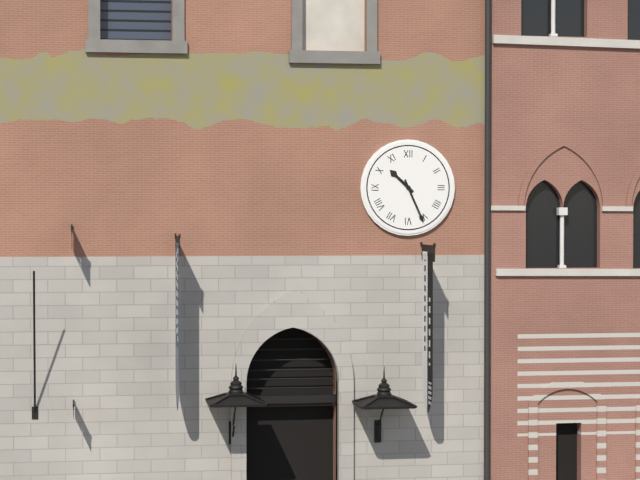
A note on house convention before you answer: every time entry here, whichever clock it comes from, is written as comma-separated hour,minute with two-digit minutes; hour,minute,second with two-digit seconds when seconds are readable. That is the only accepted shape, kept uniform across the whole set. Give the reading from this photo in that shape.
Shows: 10,26
